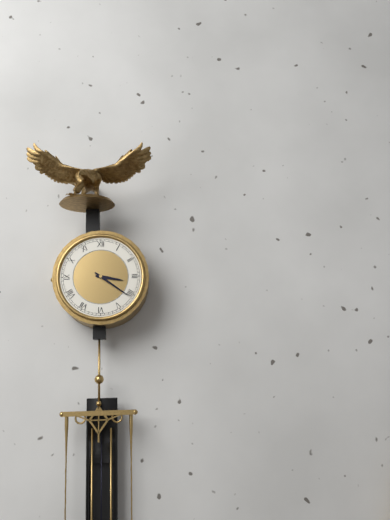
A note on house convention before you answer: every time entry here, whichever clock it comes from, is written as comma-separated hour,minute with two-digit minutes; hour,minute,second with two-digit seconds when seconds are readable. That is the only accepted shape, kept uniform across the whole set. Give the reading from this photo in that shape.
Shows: 3,21
